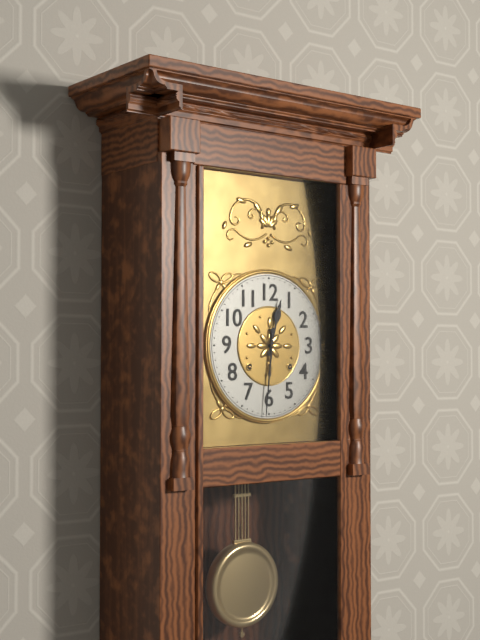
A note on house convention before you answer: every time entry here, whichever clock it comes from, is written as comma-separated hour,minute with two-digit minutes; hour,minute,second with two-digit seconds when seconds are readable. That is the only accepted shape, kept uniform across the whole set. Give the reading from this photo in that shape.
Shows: 12,31
